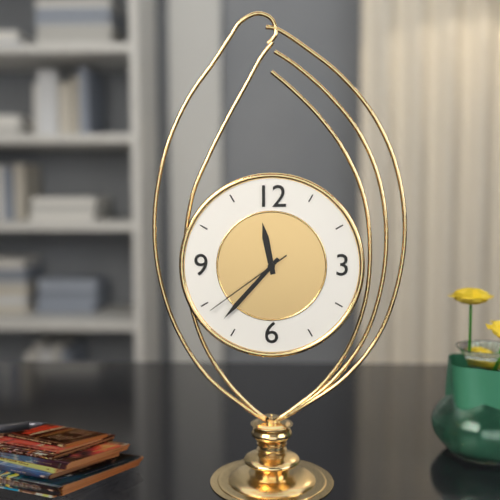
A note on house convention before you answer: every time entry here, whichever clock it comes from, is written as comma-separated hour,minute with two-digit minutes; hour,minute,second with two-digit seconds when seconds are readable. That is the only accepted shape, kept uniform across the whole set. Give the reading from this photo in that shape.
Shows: 11,37,39
